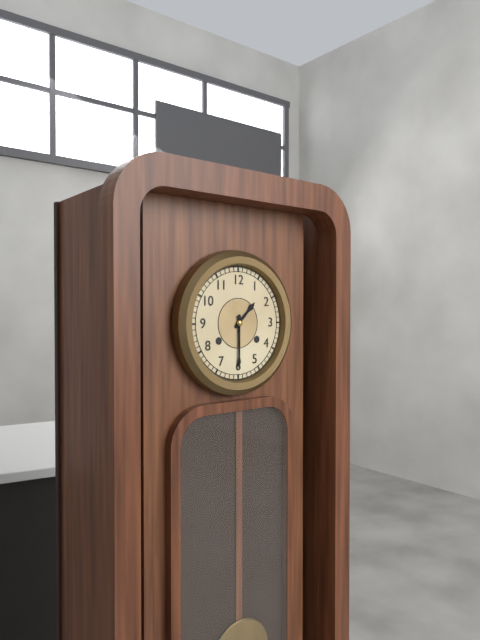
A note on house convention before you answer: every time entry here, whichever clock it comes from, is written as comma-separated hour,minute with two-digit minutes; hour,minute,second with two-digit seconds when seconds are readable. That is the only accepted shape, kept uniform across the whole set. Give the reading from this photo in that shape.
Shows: 1,30
